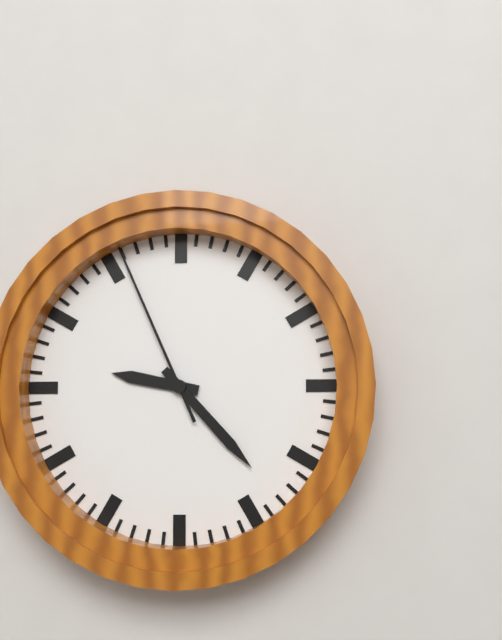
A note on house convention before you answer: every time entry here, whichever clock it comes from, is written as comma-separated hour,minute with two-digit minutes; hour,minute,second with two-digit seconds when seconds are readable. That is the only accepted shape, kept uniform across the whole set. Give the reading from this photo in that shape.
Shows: 9,23,56
